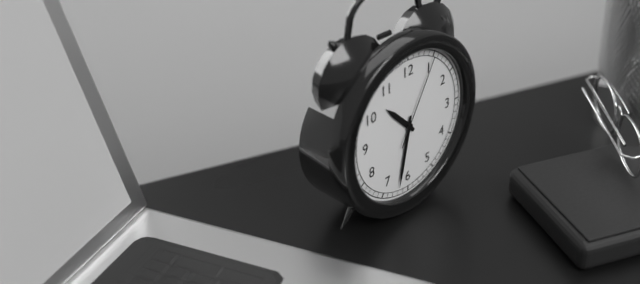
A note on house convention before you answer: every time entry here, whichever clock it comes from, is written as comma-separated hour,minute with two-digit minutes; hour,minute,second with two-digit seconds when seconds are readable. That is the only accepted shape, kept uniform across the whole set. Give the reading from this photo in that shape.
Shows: 10,32,05
